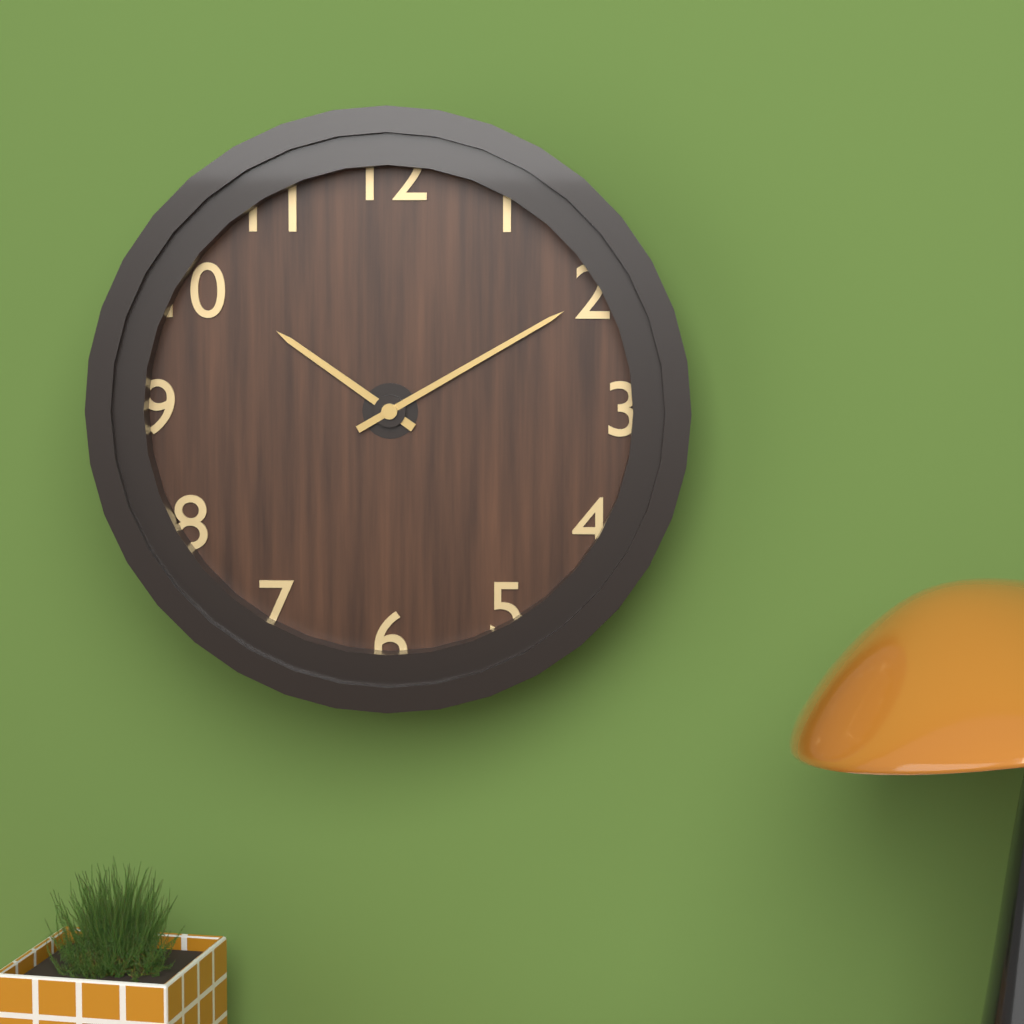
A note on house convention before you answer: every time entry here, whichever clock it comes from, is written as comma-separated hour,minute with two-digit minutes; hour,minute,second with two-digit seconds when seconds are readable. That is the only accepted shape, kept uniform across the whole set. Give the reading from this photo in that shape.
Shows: 10,10
